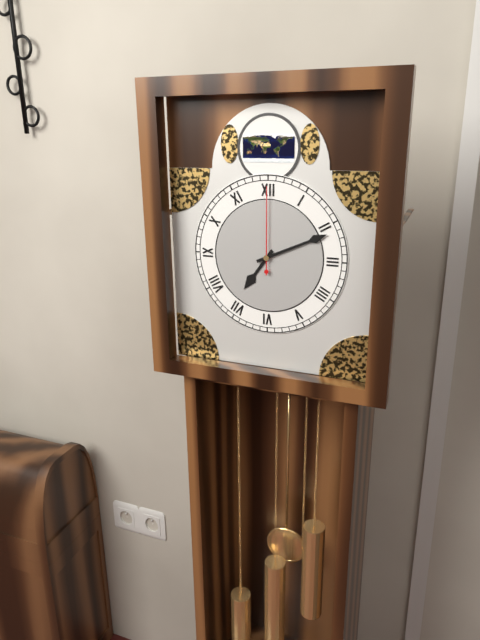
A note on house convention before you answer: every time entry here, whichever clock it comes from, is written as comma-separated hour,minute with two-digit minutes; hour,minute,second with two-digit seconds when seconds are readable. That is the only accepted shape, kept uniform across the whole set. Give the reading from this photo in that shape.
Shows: 7,11,00
